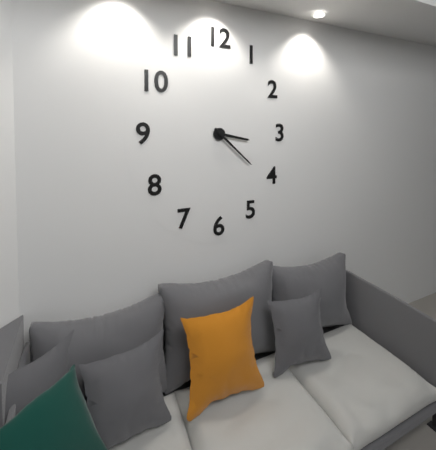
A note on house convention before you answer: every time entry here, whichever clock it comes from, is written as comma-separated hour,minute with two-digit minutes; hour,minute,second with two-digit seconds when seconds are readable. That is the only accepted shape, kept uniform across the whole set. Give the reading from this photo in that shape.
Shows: 3,22
